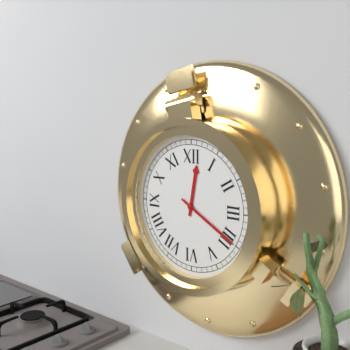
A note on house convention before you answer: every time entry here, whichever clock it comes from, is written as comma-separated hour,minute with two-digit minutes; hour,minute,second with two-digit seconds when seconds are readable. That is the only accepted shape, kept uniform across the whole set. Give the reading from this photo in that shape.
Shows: 12,20
